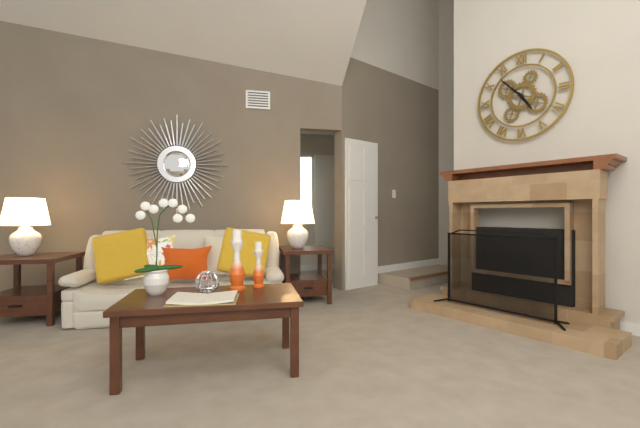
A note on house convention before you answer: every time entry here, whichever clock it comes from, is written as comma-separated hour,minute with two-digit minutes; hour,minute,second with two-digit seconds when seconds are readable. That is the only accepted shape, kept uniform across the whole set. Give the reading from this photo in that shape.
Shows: 4,53
